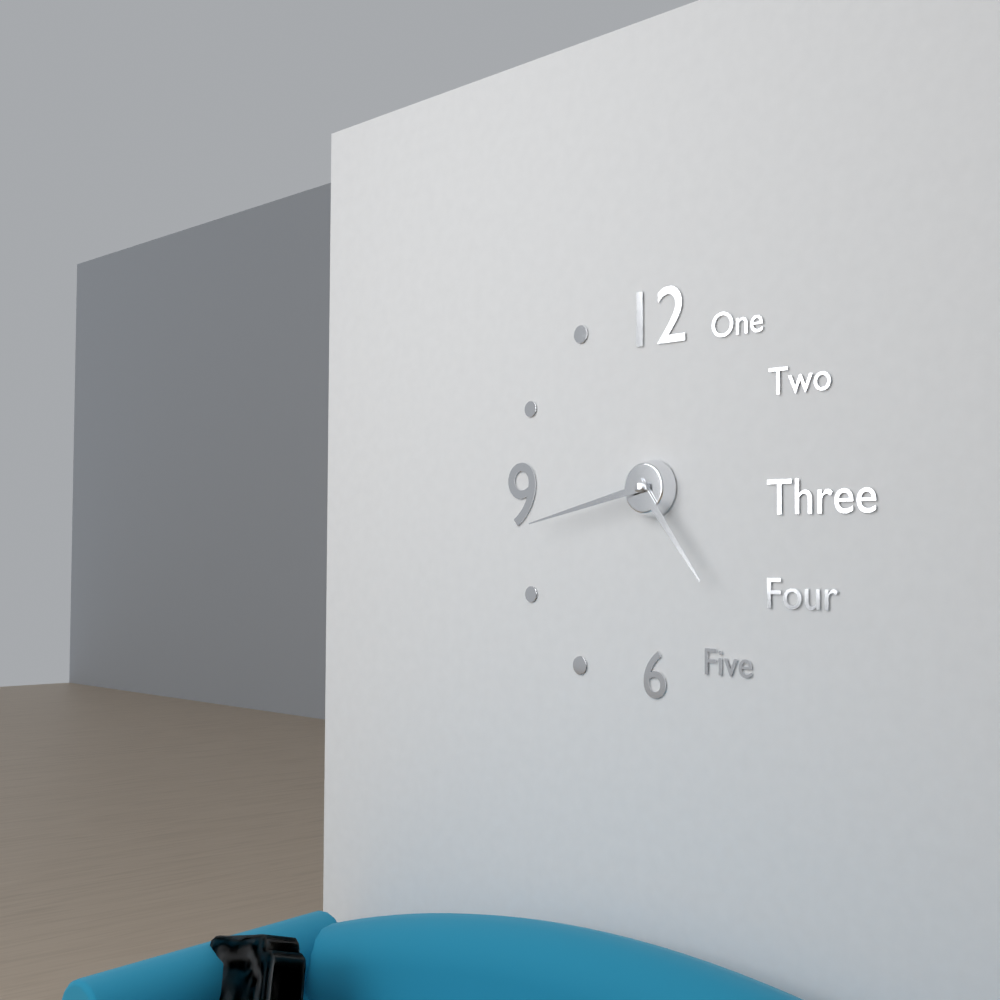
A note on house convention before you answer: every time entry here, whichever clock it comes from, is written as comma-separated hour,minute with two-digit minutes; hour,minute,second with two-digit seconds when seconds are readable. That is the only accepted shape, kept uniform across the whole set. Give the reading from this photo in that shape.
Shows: 4,43
